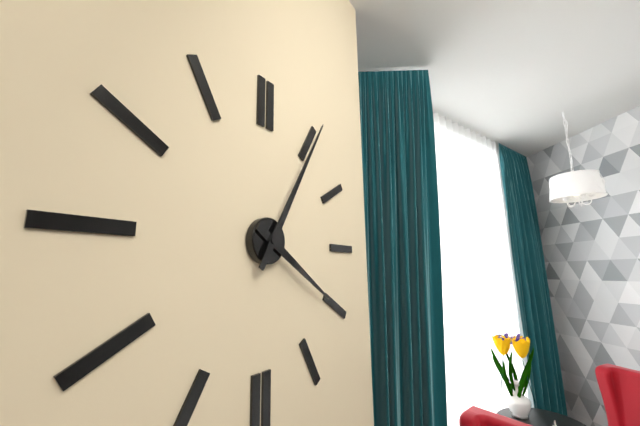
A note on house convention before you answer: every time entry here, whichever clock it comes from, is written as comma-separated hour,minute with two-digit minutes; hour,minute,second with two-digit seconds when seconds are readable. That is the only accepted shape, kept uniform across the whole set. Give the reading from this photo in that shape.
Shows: 4,05
